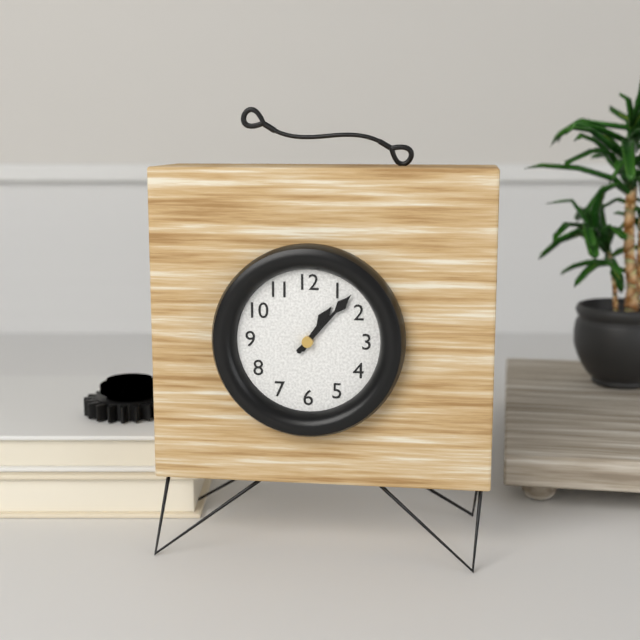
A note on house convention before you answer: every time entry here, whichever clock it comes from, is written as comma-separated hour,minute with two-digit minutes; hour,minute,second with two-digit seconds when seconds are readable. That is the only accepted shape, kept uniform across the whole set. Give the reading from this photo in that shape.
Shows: 1,07
